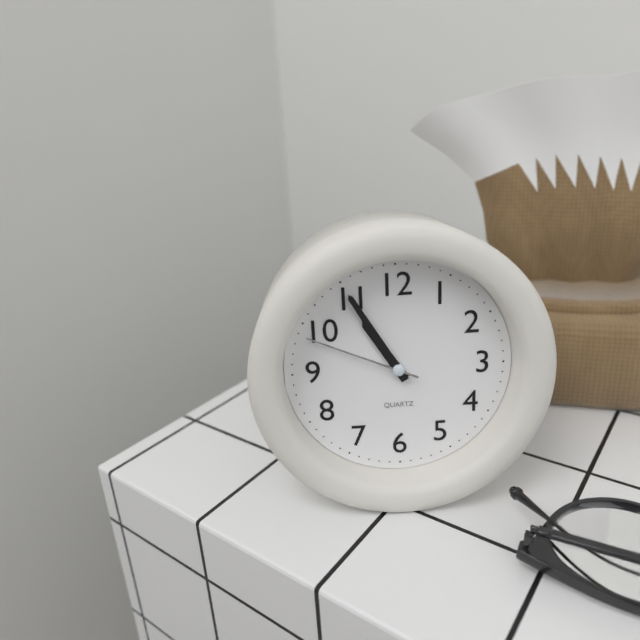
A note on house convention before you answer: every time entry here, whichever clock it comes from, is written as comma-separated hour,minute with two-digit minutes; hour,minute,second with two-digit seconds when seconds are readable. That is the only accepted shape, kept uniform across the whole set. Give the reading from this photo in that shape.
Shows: 10,55,49
